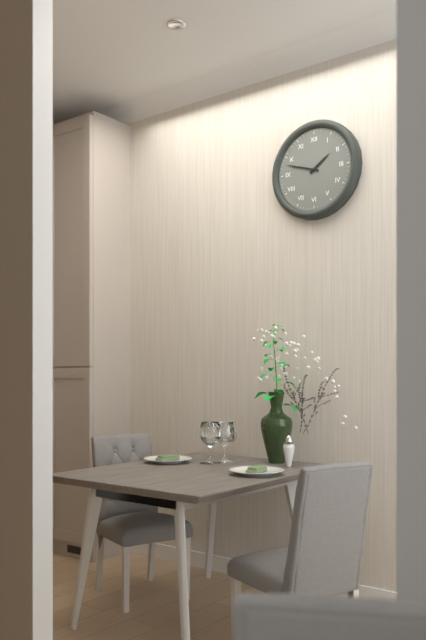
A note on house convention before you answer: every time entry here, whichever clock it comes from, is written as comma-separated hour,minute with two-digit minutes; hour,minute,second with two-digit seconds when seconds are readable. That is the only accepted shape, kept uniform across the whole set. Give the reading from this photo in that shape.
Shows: 1,48
